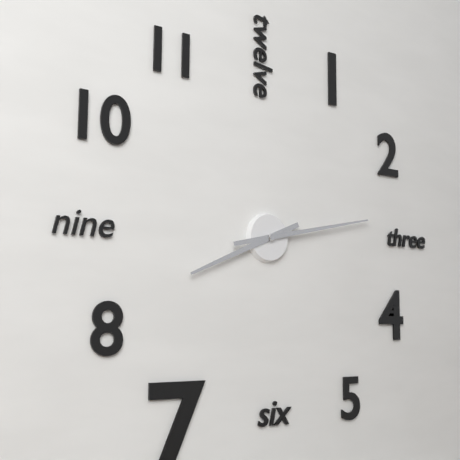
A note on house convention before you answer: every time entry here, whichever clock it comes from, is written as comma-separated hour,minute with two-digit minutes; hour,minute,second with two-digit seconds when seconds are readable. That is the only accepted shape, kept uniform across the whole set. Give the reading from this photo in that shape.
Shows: 8,13
